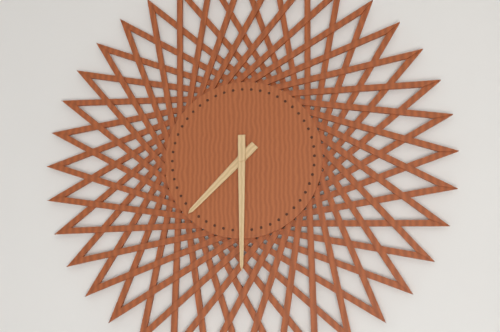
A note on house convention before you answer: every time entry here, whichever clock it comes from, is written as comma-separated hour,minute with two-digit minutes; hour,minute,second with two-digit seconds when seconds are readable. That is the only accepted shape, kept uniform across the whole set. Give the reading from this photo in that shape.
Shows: 7,30
